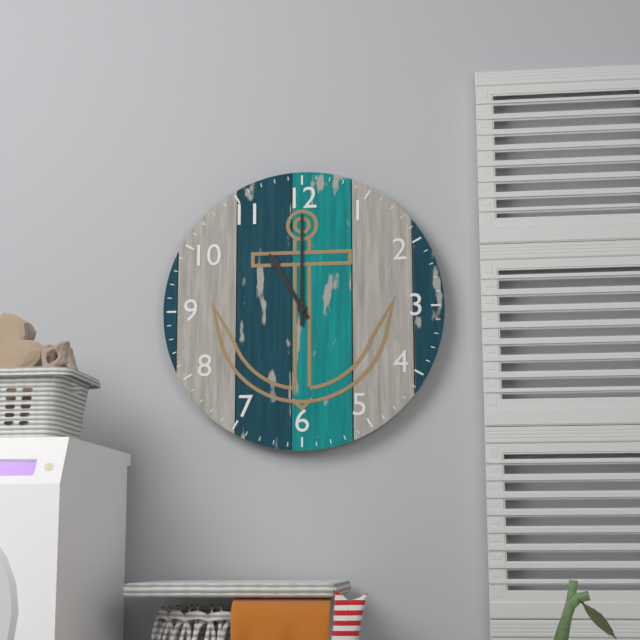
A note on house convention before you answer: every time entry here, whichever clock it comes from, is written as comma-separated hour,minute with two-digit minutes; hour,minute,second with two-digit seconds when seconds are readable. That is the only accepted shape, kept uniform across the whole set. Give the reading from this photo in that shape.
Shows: 11,00
